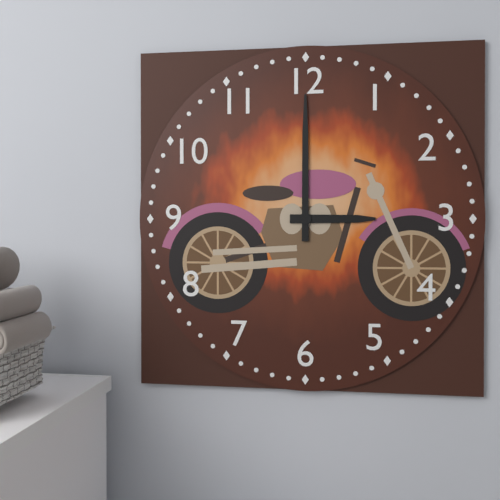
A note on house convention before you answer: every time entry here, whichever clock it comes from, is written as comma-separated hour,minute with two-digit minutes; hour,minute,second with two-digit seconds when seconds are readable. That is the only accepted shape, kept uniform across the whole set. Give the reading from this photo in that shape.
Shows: 3,00
